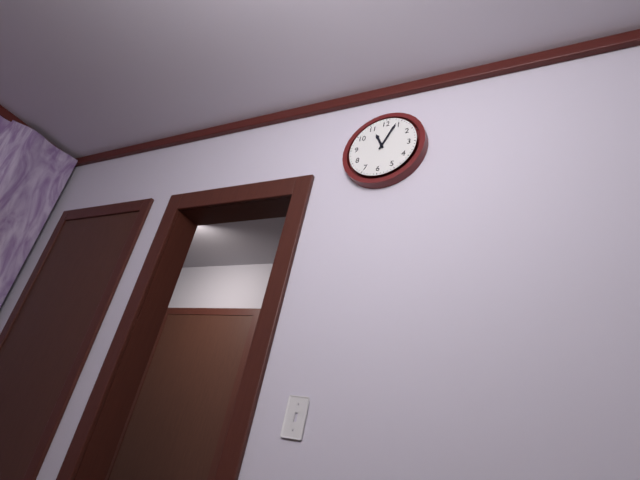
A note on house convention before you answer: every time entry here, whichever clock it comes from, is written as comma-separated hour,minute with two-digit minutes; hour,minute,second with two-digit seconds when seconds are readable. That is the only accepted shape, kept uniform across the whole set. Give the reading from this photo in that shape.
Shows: 11,04
